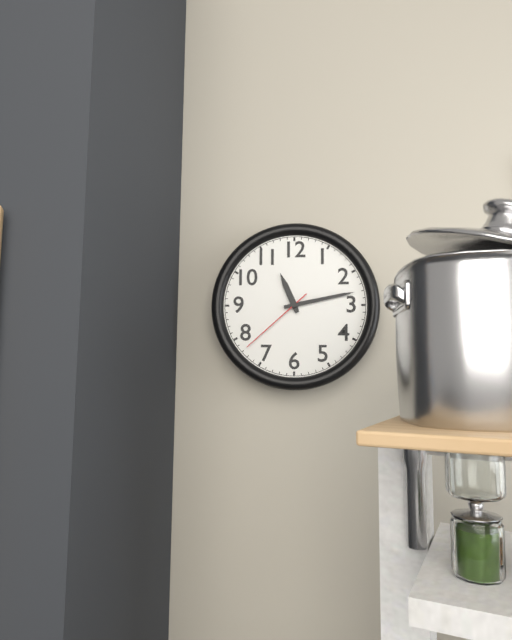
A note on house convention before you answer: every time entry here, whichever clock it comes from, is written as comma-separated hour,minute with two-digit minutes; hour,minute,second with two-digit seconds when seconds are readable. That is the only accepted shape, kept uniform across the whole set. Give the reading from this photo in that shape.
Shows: 11,13,38
